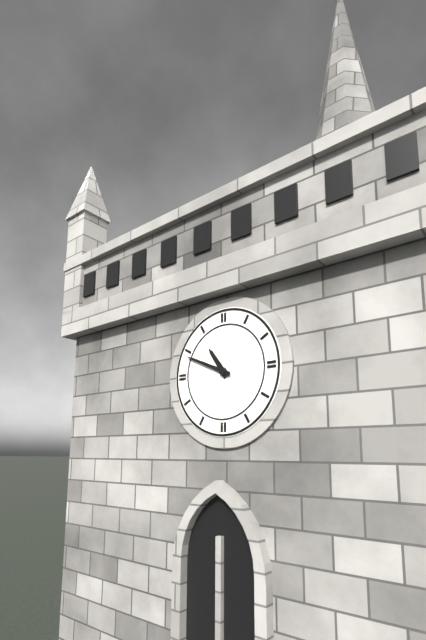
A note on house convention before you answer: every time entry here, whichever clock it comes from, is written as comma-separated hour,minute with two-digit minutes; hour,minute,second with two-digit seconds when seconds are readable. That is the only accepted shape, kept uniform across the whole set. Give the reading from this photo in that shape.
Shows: 10,49
